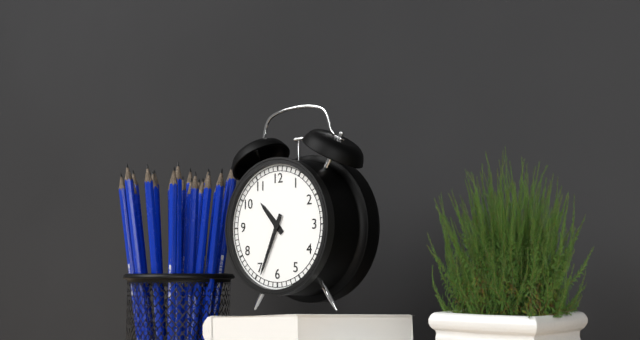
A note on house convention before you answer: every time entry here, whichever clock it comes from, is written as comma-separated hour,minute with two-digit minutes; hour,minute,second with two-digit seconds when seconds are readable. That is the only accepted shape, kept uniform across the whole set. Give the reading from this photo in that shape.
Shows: 10,34
